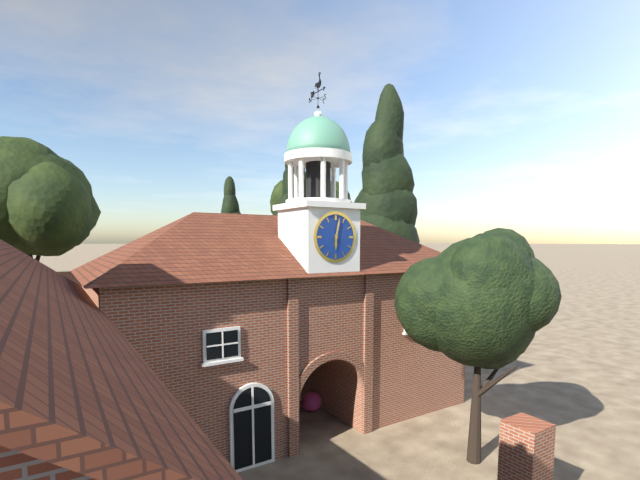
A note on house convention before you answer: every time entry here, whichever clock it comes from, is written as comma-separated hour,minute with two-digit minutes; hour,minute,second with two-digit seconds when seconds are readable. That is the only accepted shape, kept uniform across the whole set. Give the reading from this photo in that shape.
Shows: 6,02
